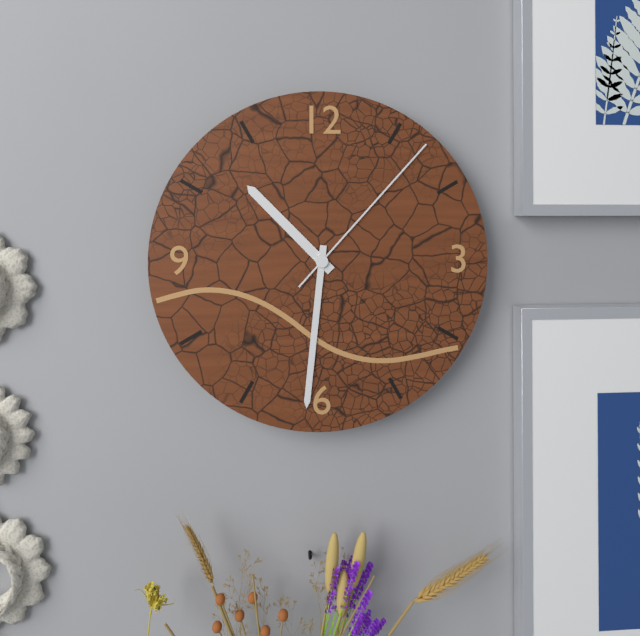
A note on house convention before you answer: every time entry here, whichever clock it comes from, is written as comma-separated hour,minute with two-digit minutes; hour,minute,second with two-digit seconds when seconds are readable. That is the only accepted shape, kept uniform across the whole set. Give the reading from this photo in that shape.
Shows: 10,31,07
